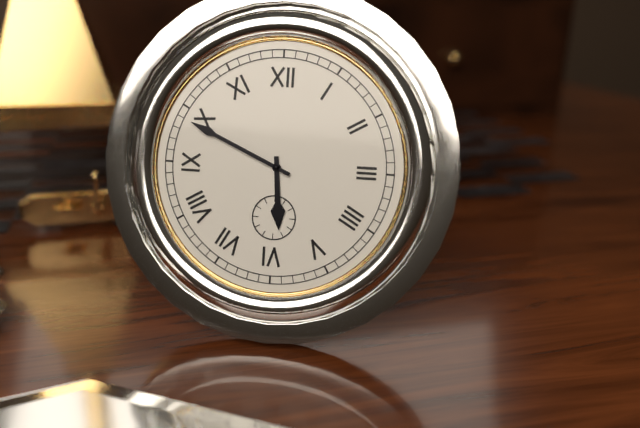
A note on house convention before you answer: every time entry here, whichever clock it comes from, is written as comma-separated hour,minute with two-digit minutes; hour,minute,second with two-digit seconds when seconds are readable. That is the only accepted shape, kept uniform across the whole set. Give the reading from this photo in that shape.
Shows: 5,49
